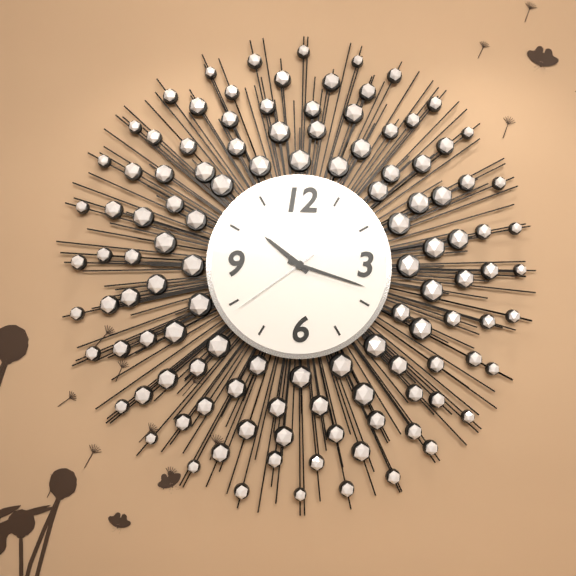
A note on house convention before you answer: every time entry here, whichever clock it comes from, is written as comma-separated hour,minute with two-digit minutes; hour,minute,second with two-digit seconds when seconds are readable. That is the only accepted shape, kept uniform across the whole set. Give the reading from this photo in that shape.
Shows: 10,18,39
